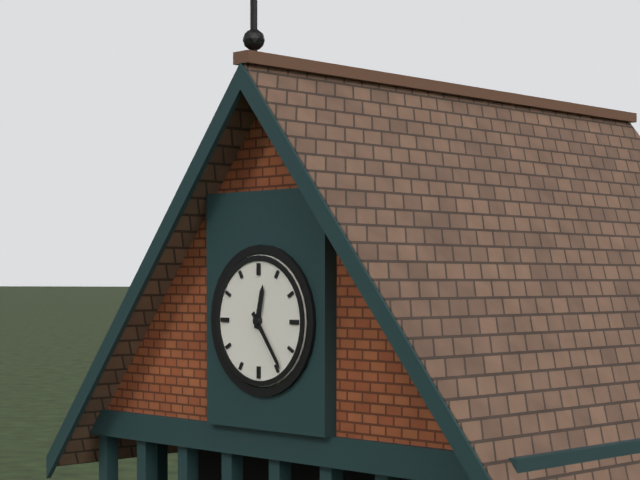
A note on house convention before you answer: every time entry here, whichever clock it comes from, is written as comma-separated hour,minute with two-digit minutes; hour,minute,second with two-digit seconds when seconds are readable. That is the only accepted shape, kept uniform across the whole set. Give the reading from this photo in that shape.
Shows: 12,24
